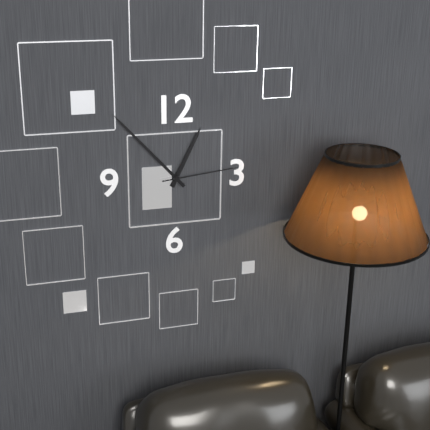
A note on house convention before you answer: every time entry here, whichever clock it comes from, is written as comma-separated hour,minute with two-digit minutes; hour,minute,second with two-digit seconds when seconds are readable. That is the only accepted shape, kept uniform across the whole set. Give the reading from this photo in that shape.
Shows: 12,53,14
